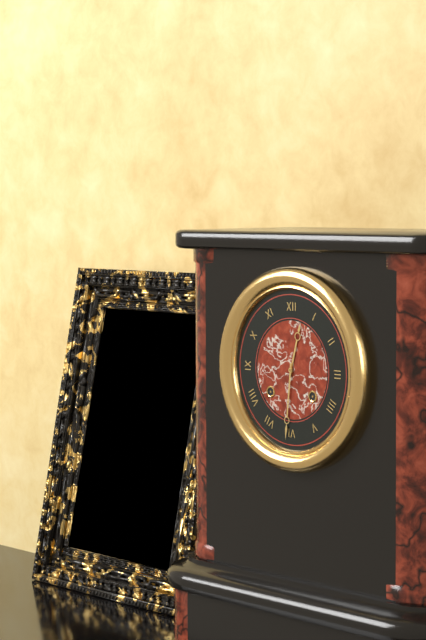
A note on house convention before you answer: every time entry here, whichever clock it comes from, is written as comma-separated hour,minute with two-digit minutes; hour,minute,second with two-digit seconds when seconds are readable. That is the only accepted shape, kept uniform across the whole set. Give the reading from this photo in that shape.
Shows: 12,31
